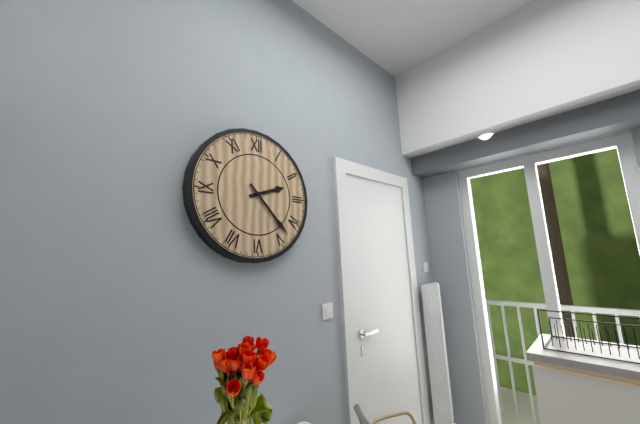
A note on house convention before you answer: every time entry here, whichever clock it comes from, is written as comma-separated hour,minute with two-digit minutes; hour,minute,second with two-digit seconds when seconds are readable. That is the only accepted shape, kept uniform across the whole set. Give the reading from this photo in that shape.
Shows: 2,23
